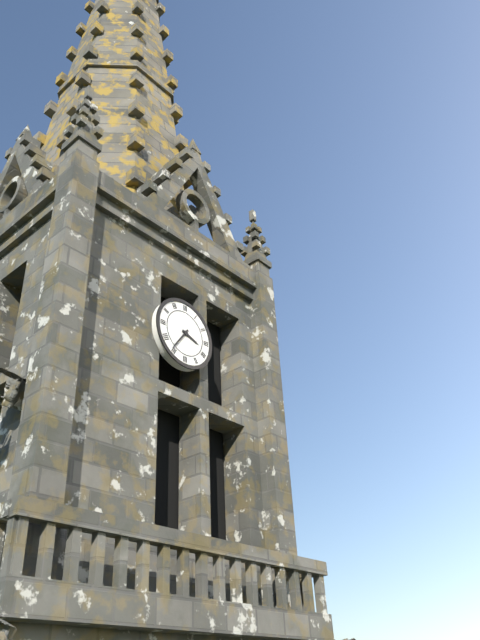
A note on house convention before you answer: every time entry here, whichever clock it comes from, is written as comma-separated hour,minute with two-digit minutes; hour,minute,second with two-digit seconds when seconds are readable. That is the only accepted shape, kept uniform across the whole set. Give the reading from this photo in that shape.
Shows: 3,36
